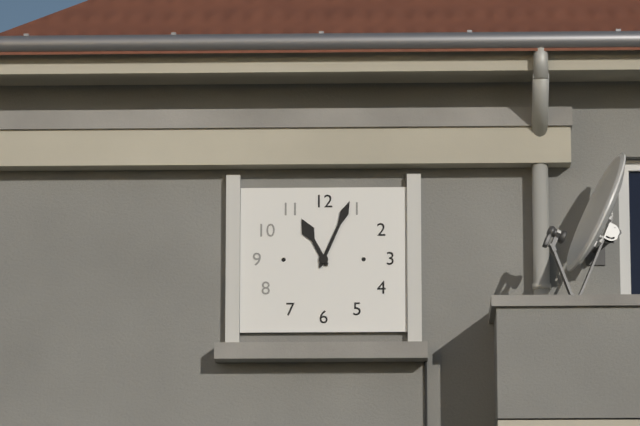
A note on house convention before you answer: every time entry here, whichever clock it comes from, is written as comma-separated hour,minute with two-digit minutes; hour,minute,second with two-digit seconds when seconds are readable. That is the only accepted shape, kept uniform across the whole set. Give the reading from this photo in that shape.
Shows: 11,04
